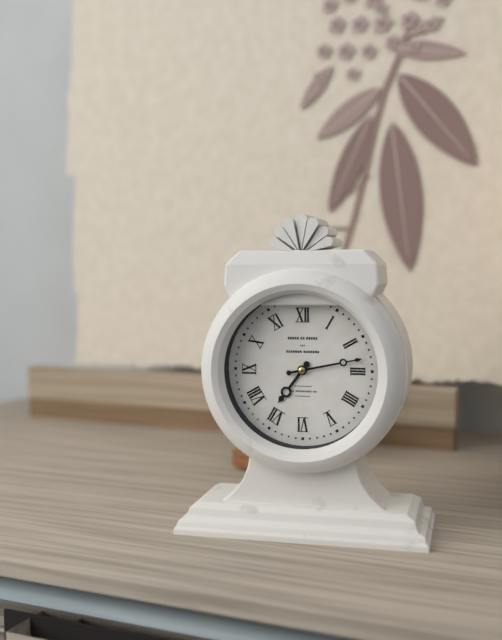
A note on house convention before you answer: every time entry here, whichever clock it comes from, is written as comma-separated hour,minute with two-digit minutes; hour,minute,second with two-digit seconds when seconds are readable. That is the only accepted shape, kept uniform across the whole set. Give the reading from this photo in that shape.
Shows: 7,13
